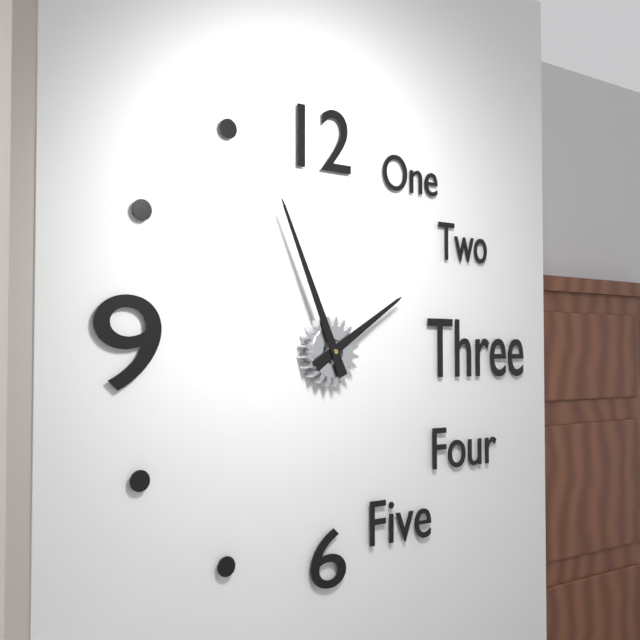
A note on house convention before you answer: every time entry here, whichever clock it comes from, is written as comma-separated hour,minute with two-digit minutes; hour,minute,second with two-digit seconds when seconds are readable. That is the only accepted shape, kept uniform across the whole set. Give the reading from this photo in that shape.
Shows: 1,56
